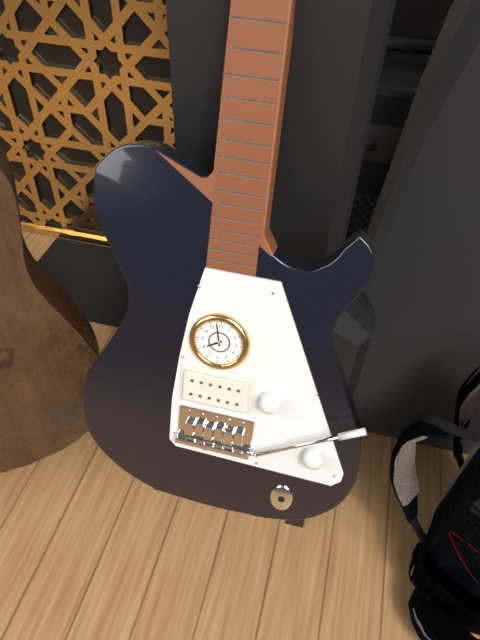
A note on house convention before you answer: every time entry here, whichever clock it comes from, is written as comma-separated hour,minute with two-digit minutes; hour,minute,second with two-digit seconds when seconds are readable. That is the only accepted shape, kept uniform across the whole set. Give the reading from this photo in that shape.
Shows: 7,58
